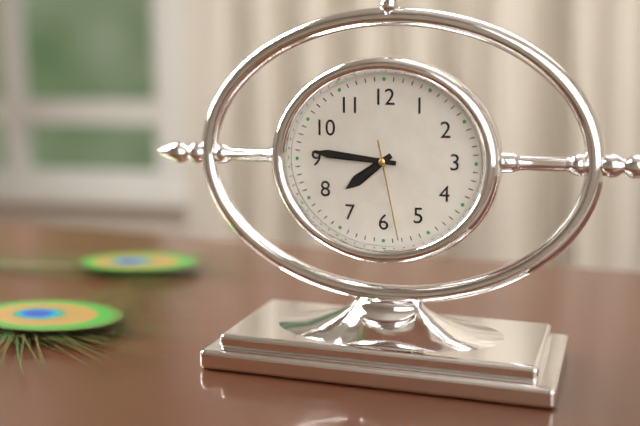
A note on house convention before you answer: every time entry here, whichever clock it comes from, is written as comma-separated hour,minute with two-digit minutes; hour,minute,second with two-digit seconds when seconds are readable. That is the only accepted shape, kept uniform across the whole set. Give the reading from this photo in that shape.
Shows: 7,46,28
